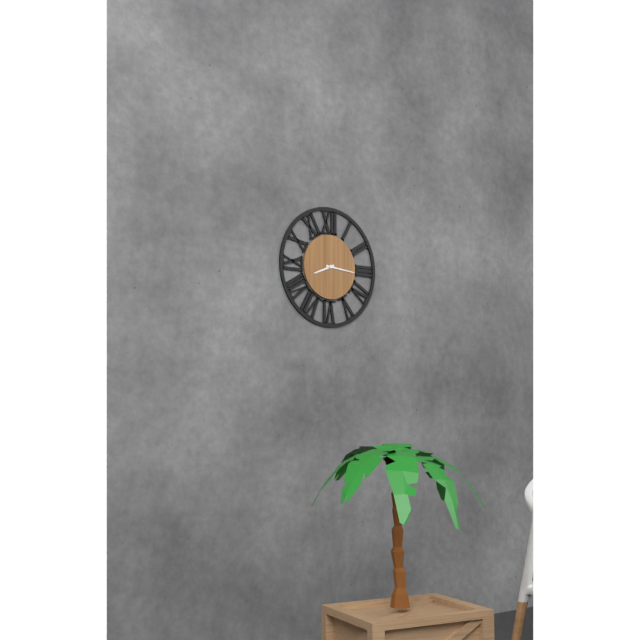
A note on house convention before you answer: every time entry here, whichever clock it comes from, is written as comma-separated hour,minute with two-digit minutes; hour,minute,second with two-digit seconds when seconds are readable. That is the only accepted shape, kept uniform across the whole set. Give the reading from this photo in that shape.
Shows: 8,16
